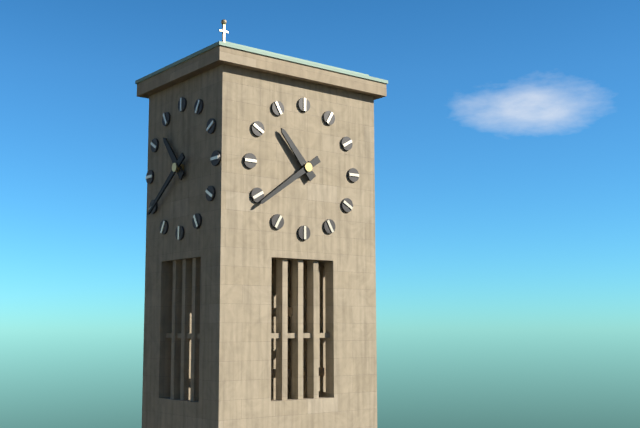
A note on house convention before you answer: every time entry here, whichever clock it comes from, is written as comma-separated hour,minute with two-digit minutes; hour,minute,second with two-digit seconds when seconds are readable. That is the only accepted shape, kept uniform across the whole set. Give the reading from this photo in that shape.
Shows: 10,39
